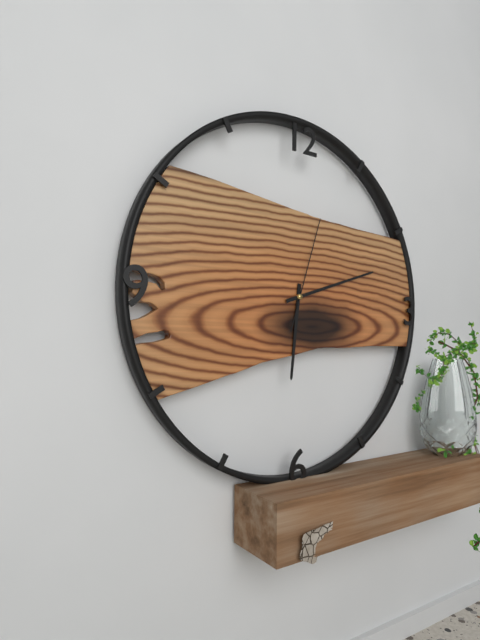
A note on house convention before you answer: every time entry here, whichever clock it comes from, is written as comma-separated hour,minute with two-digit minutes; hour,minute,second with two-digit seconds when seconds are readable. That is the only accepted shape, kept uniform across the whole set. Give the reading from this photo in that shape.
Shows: 6,12,03
